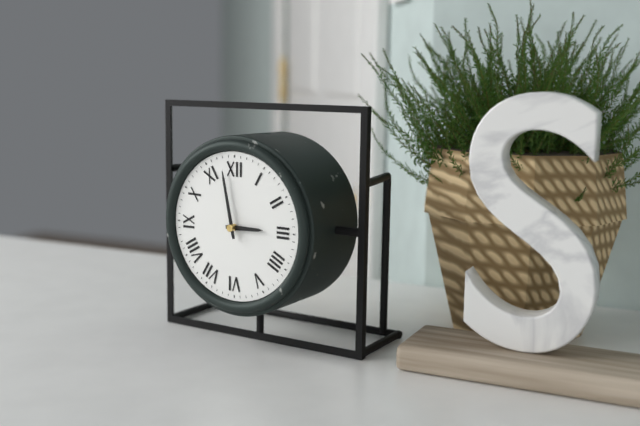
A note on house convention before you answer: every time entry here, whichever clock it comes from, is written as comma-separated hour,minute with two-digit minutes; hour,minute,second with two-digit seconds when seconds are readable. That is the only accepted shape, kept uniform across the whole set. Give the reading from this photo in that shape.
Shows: 2,58
